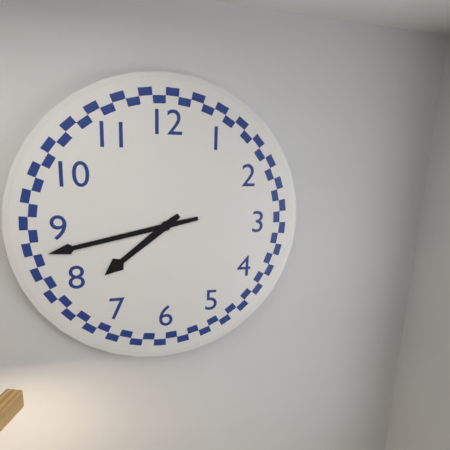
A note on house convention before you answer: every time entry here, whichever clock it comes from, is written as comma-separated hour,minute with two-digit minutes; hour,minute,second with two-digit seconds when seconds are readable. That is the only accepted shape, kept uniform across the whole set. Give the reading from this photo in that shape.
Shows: 7,43
